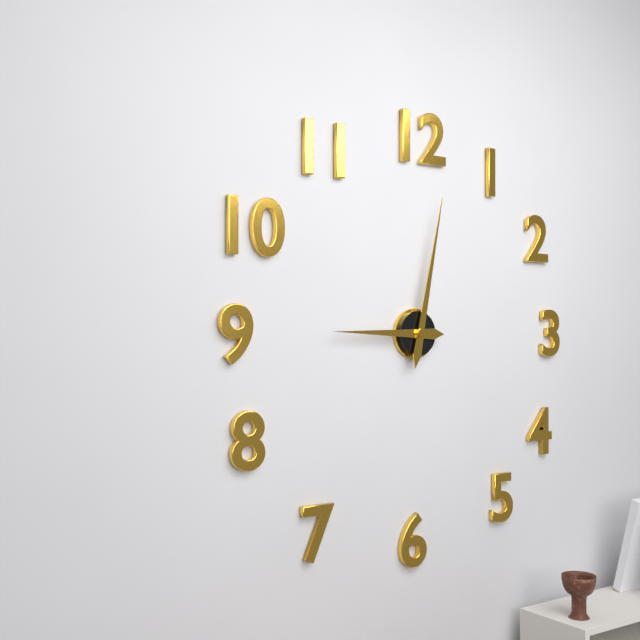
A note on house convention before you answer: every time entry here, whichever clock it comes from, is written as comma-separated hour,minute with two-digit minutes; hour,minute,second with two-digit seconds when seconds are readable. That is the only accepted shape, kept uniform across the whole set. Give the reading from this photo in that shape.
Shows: 9,02
